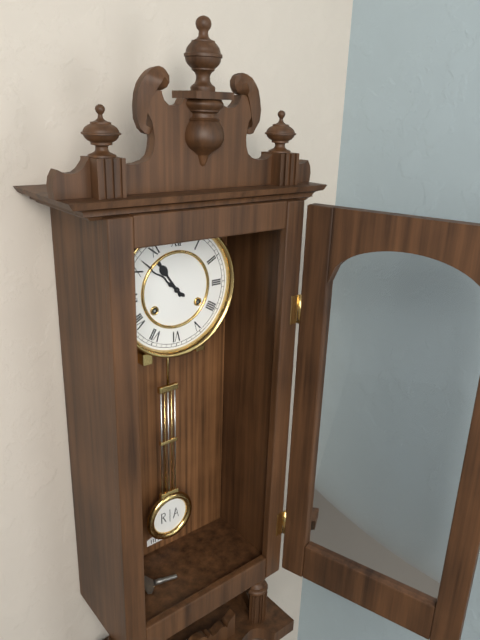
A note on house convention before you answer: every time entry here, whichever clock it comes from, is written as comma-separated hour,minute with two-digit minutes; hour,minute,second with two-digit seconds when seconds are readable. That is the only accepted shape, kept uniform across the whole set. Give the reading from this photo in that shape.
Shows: 10,52
